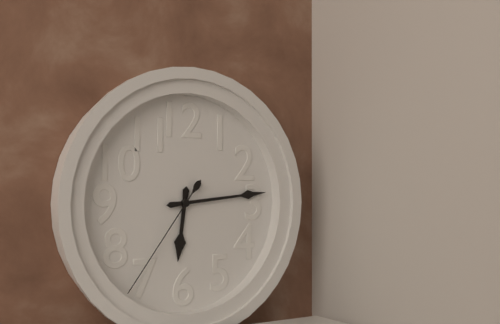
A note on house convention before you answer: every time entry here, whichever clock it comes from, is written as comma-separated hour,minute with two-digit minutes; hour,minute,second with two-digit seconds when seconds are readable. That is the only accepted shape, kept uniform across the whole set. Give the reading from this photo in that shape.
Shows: 6,14,36
